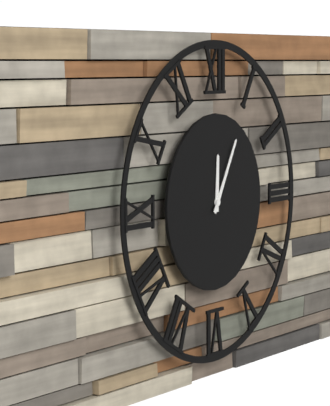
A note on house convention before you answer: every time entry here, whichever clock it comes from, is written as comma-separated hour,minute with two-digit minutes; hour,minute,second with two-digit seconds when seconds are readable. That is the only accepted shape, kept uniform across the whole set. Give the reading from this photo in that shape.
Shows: 12,05
